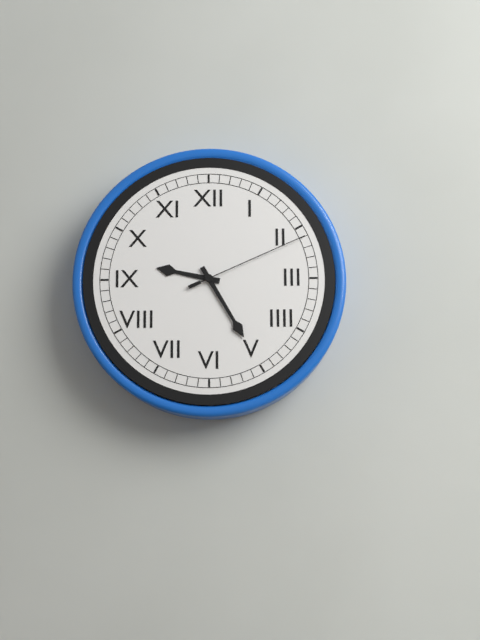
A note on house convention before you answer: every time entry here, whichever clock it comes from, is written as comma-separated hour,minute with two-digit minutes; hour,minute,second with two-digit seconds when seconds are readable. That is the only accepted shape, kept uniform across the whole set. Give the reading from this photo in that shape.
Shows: 9,25,11
